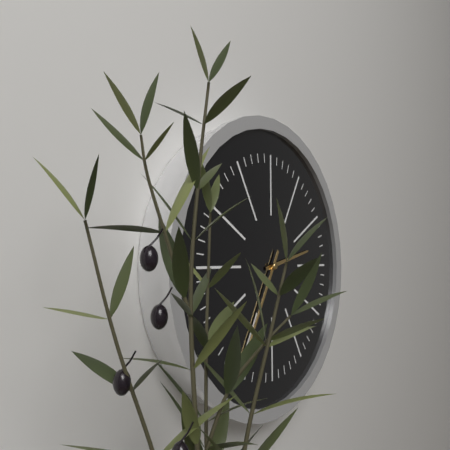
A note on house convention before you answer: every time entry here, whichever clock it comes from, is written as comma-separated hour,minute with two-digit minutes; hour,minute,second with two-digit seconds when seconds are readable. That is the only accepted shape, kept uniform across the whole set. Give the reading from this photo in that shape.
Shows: 2,35
